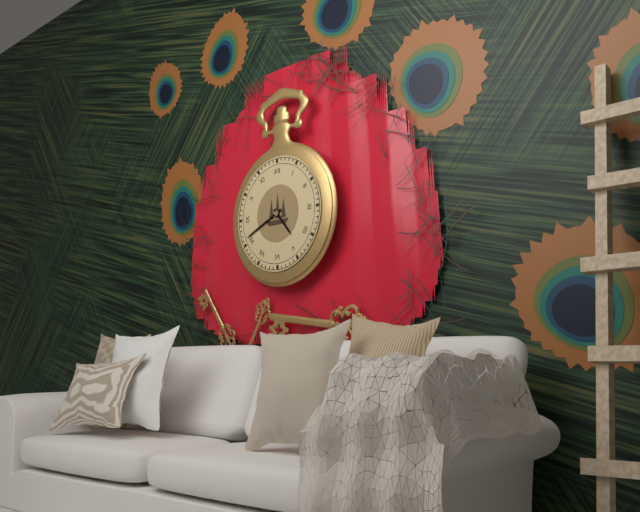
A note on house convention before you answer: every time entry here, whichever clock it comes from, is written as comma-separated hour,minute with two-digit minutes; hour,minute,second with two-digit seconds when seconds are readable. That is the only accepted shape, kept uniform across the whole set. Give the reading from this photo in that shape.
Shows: 4,41
